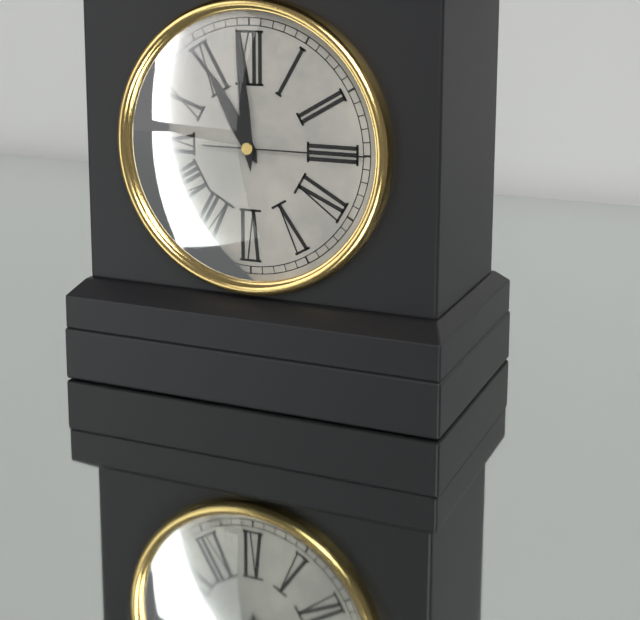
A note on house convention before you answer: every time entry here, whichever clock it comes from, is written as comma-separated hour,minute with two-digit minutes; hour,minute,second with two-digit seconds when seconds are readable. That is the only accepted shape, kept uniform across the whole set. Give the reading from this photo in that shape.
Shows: 10,59,15
